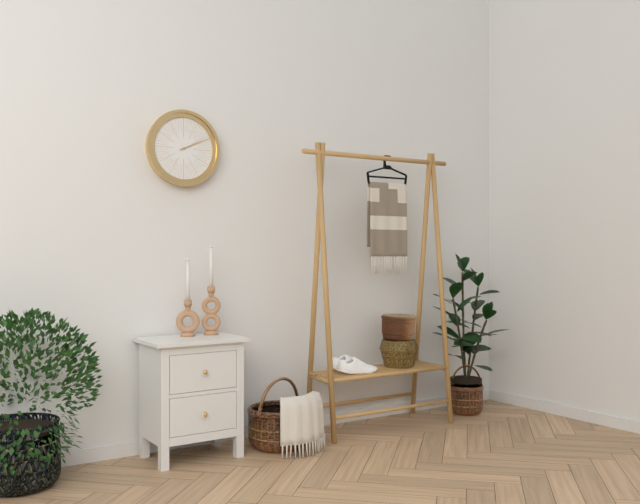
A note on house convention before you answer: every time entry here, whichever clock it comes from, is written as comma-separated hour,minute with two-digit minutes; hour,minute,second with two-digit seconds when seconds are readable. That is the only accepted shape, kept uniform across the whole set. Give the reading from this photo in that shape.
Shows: 2,11
